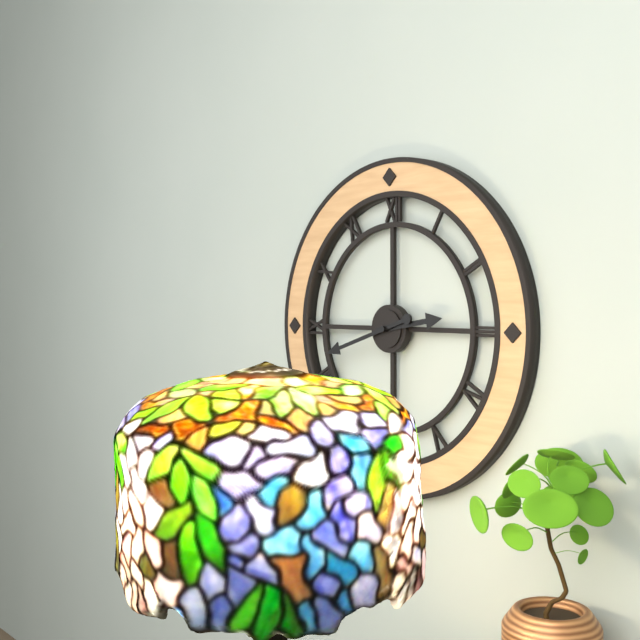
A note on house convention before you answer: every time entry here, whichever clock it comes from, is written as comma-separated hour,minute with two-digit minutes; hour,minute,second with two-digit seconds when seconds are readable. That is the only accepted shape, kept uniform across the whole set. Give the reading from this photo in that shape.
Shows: 2,42
